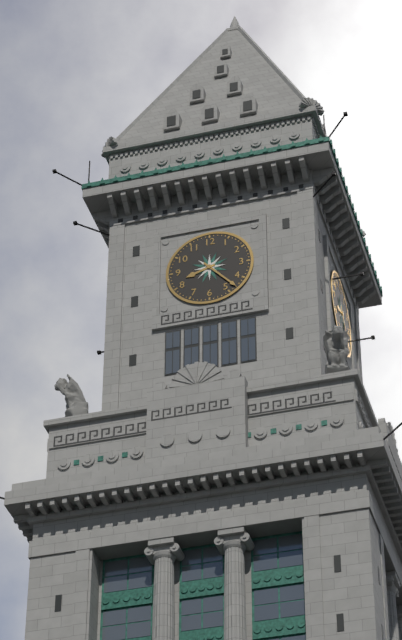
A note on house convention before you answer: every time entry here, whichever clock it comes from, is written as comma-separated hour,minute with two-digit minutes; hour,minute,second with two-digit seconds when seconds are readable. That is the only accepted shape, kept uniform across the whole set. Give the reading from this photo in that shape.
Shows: 8,23
